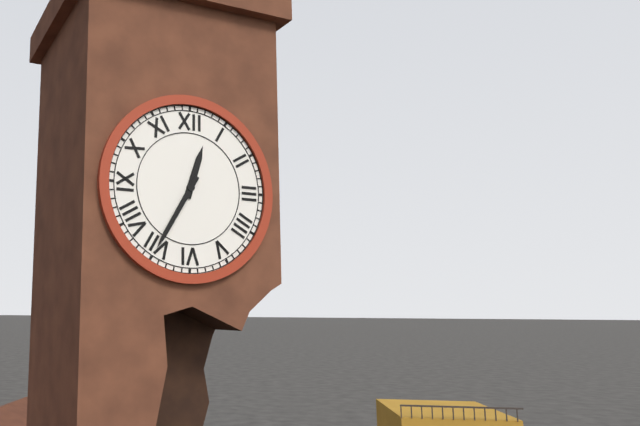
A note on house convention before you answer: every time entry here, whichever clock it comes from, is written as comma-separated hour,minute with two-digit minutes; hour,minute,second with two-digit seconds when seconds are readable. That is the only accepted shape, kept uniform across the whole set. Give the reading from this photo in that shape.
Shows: 12,35
